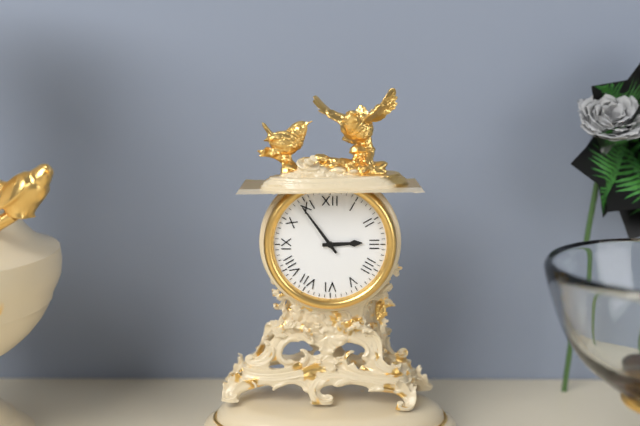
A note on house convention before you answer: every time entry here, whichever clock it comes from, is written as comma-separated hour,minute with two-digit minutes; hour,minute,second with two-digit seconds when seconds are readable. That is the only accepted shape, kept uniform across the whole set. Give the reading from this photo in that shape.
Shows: 2,54
